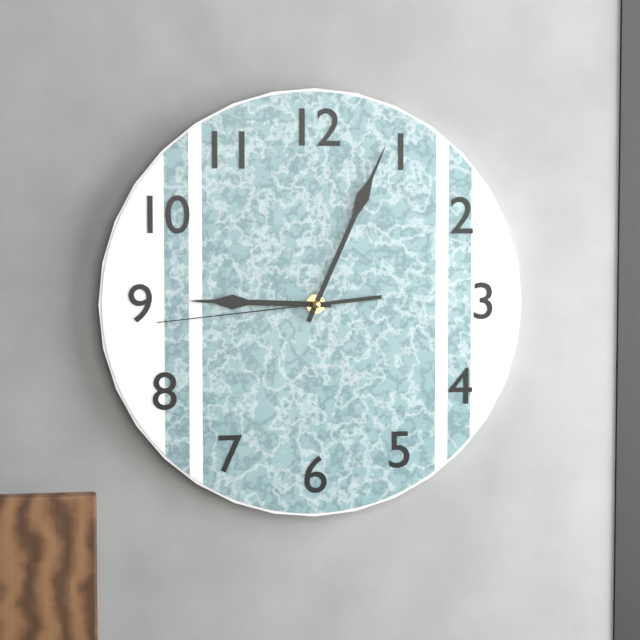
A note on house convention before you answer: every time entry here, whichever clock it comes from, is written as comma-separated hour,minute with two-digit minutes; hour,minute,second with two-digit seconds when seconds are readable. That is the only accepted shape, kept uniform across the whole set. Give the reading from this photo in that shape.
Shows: 9,04,44
